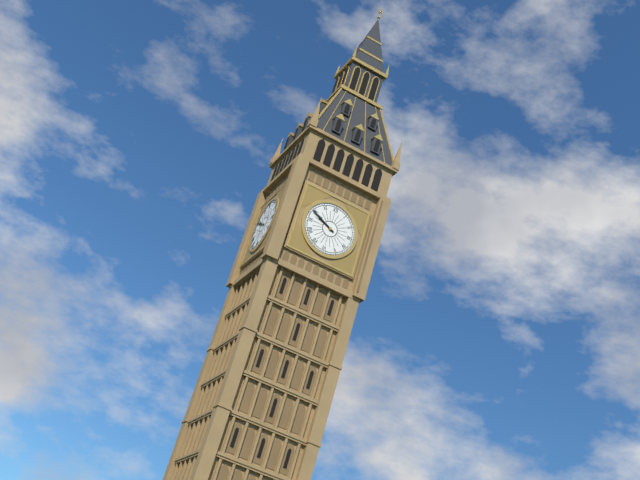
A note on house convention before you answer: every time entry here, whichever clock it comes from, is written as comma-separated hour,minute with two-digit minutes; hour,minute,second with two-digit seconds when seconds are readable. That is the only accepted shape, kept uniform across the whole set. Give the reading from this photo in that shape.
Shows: 9,49
